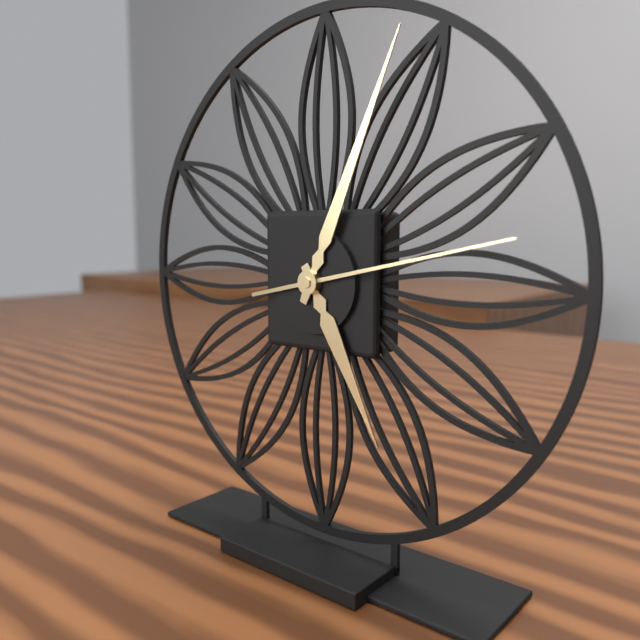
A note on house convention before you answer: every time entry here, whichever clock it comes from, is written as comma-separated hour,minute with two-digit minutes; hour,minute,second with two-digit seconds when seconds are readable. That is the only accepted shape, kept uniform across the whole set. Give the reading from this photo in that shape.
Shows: 5,04,13
